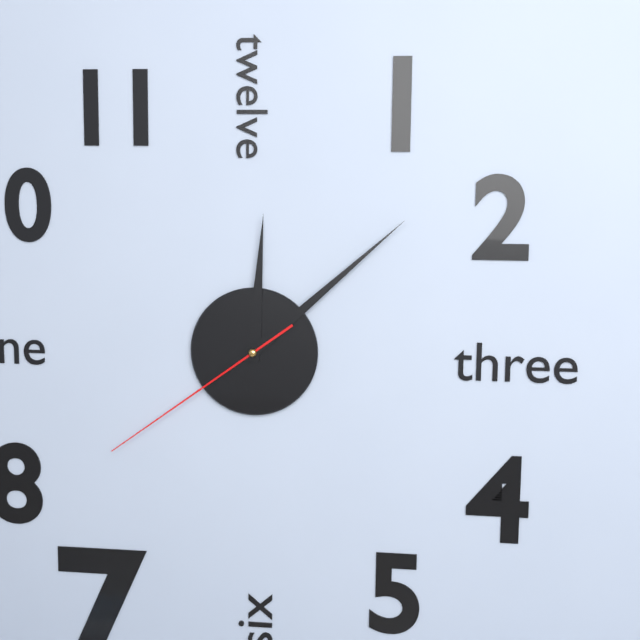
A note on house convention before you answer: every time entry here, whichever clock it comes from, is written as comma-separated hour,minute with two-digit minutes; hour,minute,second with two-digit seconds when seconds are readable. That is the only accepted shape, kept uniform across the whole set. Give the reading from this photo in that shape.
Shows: 12,08,39
